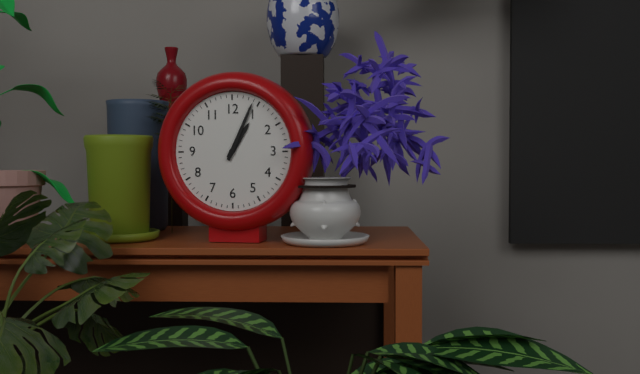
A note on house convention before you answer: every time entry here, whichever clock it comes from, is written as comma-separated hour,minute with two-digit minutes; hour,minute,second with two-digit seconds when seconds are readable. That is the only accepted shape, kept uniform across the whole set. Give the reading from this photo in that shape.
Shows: 1,04
